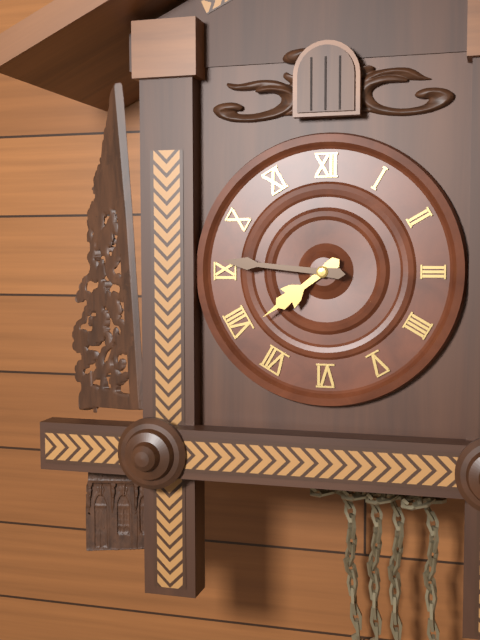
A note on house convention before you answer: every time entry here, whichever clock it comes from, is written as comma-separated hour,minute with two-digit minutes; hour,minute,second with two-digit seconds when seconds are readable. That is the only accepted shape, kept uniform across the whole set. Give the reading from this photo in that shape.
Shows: 7,46
